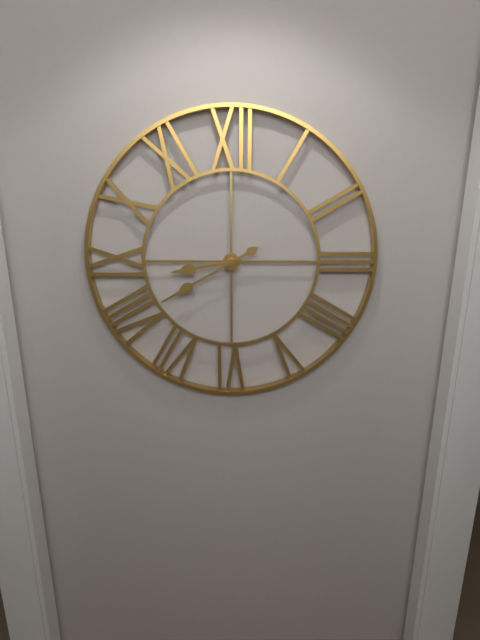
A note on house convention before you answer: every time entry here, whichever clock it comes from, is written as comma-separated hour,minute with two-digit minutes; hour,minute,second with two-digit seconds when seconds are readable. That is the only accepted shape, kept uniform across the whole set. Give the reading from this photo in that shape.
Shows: 8,40
